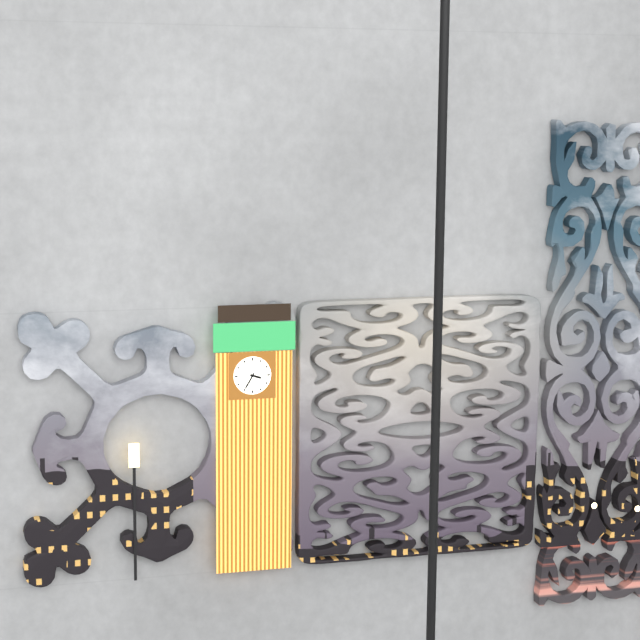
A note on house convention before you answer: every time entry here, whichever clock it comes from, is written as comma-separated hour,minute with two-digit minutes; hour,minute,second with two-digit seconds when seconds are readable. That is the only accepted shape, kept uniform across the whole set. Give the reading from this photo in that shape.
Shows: 3,35
